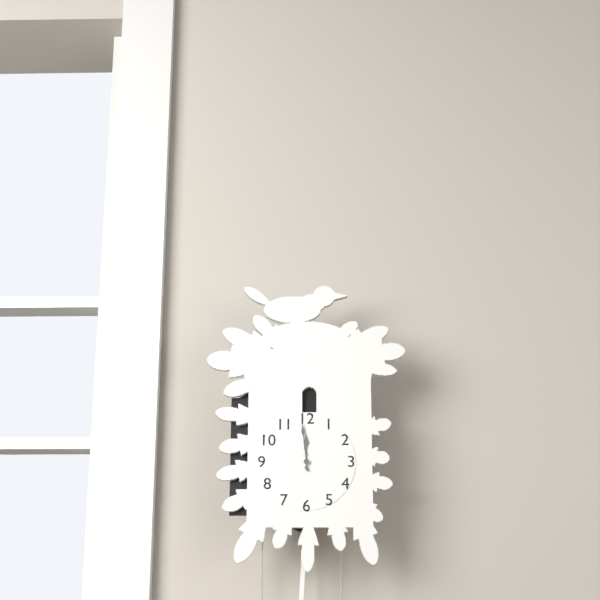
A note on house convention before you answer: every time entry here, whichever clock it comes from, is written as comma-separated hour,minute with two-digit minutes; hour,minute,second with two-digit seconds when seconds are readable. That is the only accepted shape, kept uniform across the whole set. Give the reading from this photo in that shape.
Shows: 11,59
